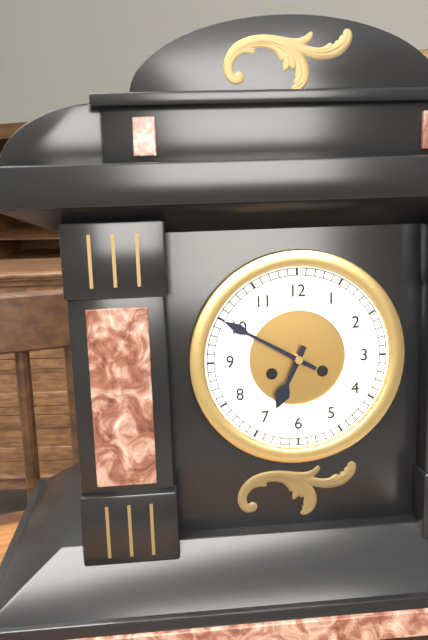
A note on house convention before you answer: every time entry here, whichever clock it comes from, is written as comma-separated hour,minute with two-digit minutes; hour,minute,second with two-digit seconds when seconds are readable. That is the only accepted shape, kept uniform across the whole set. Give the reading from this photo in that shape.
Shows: 6,50
